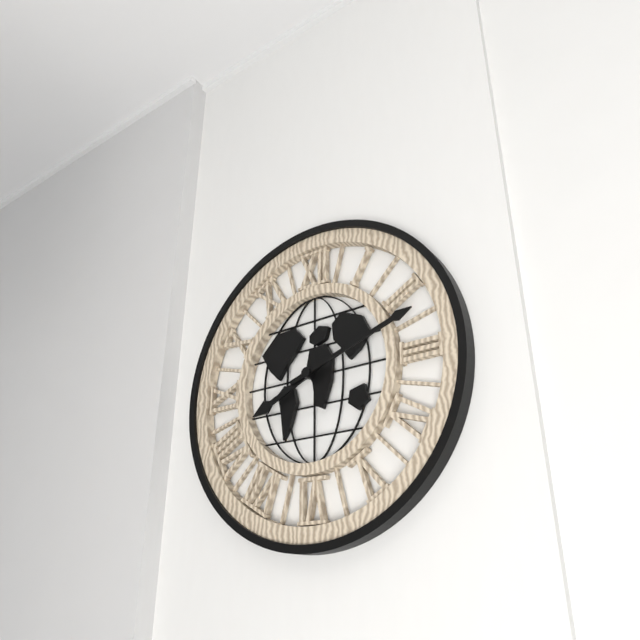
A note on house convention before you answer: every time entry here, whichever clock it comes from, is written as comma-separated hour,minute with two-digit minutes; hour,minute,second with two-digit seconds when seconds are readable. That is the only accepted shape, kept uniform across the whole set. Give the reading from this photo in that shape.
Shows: 8,12
